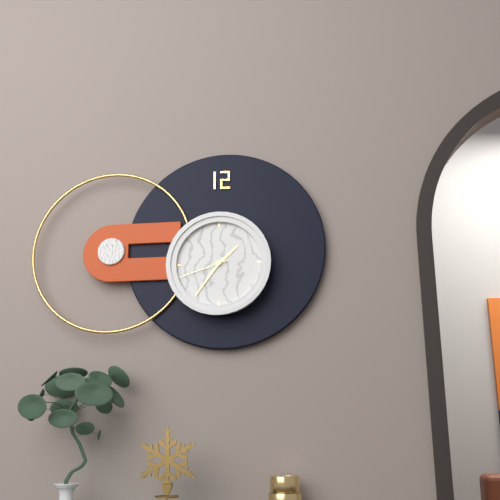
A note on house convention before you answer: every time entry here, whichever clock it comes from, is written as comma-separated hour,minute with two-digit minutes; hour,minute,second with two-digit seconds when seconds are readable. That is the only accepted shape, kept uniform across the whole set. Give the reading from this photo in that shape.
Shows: 1,36,42
